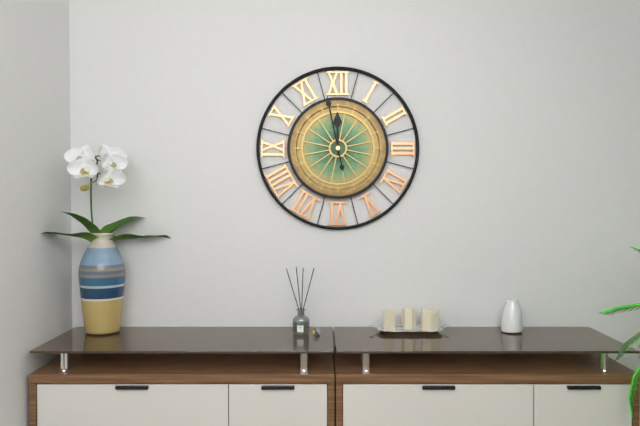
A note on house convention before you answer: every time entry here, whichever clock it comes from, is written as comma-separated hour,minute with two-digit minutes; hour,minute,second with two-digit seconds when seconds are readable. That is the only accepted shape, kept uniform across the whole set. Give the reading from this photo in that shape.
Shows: 11,58
